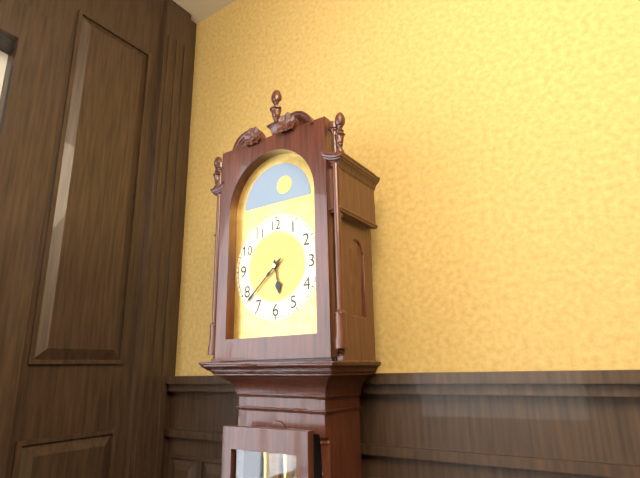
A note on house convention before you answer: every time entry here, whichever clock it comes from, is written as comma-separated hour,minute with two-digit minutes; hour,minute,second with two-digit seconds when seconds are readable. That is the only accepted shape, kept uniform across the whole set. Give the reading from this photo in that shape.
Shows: 5,38
